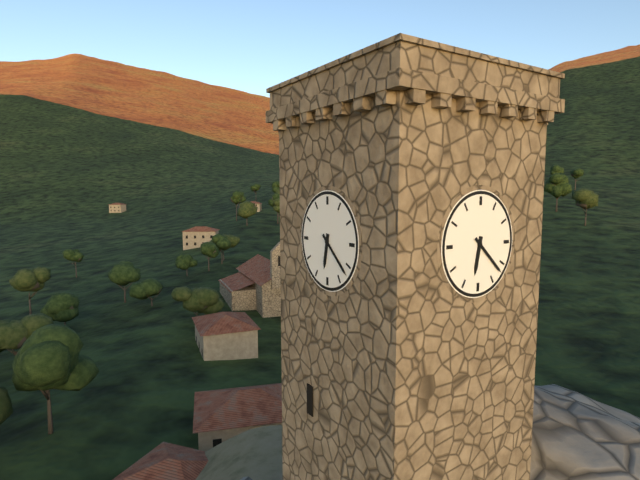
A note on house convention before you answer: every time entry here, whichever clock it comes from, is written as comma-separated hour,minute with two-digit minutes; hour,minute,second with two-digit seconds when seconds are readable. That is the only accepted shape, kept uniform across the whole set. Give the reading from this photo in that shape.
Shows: 6,22
